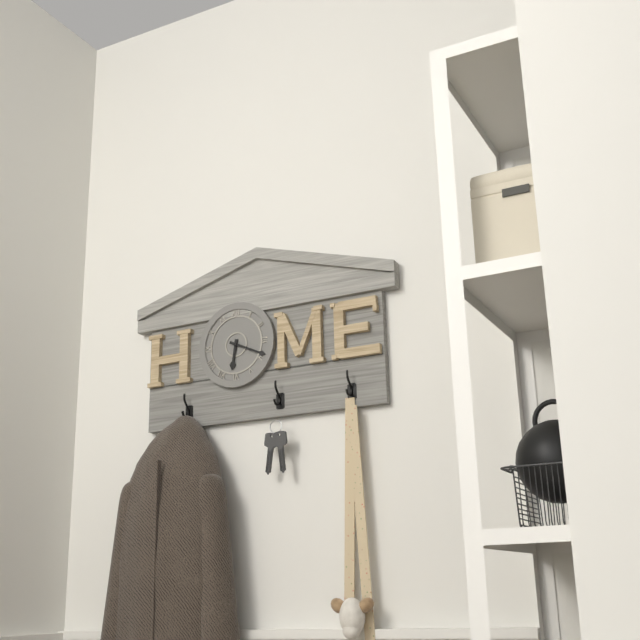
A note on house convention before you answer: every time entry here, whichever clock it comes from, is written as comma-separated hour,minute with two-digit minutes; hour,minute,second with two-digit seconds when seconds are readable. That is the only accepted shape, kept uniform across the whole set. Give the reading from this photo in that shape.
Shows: 6,19
